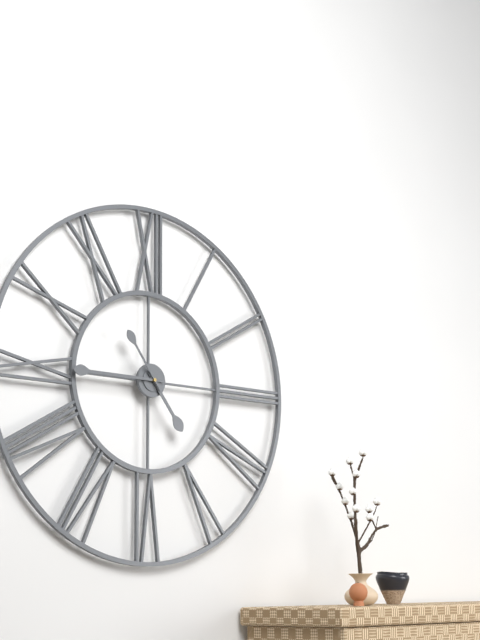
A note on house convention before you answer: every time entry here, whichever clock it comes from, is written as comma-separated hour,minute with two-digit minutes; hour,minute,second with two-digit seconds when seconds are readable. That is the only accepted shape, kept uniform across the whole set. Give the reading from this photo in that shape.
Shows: 4,45,54
